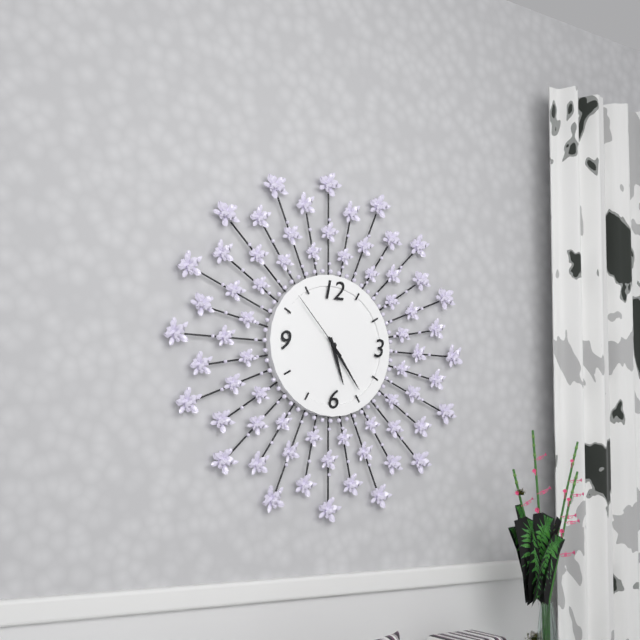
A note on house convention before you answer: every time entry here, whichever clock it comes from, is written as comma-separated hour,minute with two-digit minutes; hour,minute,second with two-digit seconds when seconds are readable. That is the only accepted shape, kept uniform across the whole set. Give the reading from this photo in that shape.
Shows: 5,24,53
